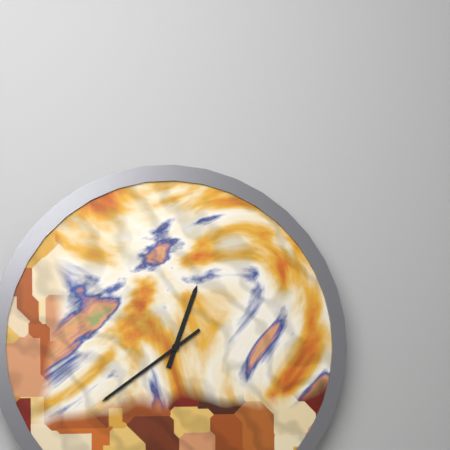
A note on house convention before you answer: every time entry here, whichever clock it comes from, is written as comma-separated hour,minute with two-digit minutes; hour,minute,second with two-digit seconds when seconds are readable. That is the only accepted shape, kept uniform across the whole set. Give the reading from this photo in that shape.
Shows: 12,39
